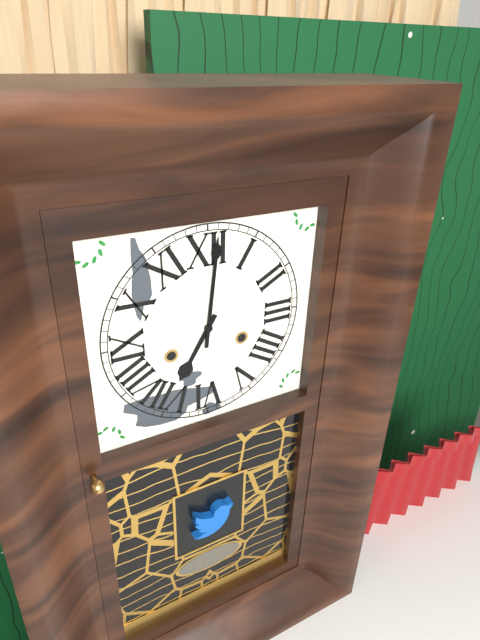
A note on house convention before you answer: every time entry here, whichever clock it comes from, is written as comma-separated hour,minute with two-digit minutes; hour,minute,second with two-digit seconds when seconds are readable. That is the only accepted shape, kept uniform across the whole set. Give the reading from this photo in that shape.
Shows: 7,01
